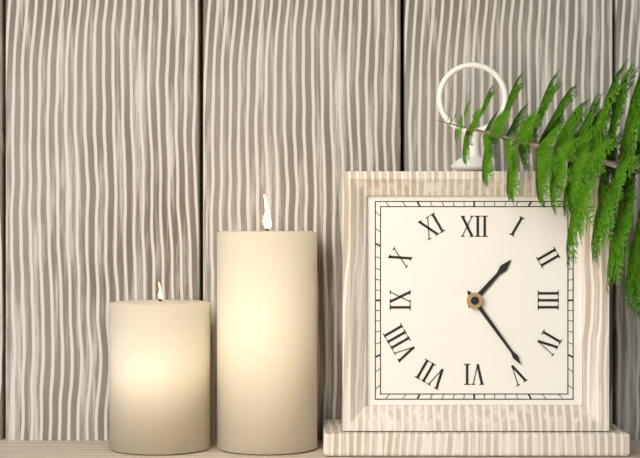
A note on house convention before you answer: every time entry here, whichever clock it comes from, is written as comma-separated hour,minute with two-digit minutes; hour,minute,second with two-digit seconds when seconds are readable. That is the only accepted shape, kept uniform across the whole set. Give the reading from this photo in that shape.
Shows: 1,24
